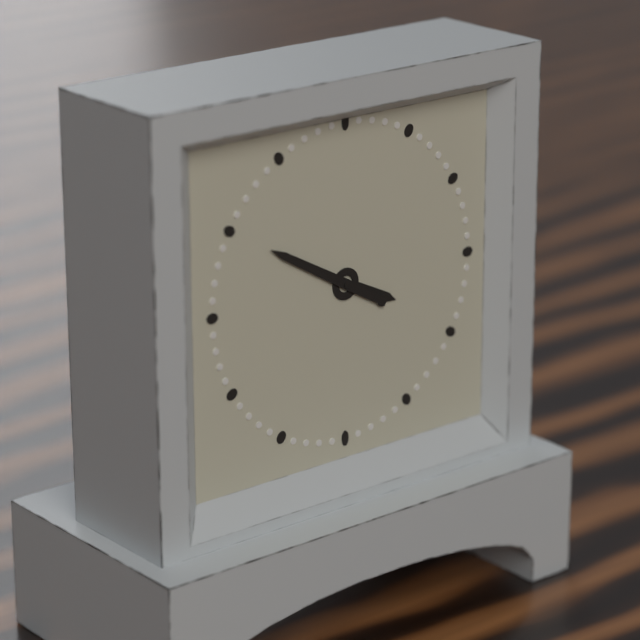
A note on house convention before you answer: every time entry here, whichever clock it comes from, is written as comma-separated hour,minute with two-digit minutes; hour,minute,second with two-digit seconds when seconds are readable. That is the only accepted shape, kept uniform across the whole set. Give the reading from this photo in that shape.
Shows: 3,50
